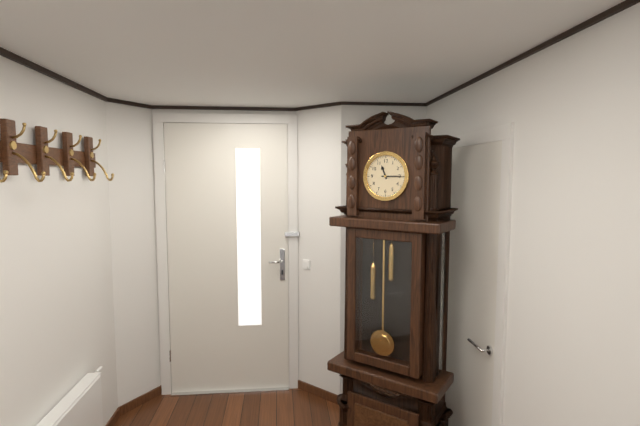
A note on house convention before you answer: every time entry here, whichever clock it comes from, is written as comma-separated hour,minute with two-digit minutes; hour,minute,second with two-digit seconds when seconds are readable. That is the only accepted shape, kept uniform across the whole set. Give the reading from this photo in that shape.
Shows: 11,15
